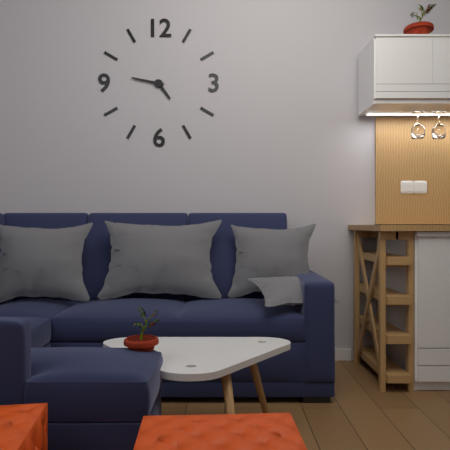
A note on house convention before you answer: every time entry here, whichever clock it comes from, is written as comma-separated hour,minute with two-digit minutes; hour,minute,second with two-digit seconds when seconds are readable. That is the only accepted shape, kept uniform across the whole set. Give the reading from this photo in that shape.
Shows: 4,47
